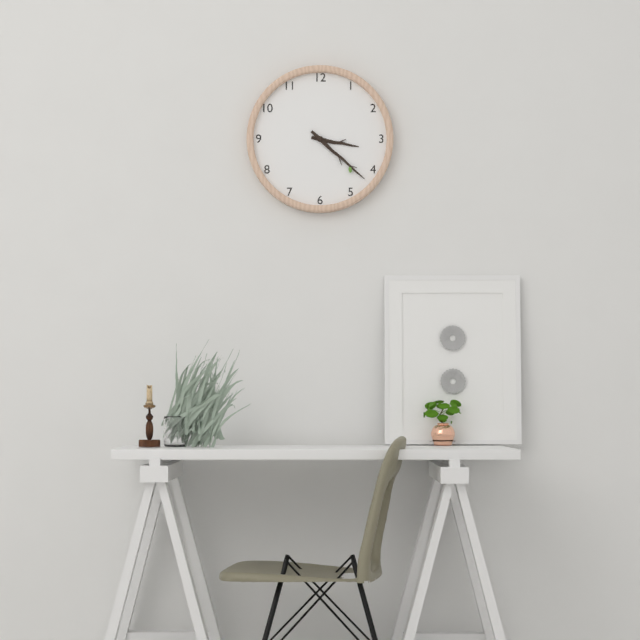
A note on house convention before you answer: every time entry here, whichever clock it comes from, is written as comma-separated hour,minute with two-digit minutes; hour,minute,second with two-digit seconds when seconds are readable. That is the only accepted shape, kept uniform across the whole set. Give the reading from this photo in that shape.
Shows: 3,22
